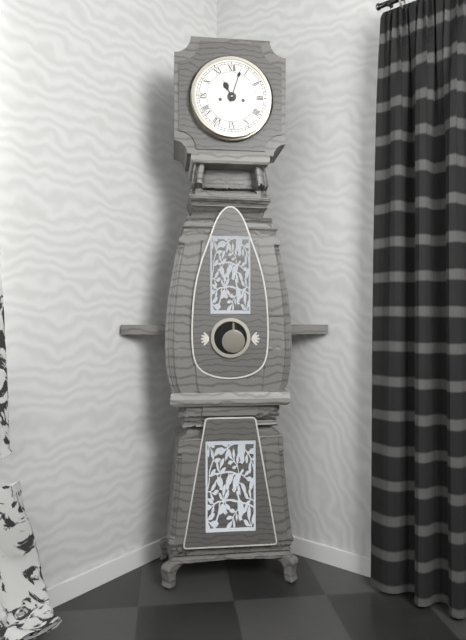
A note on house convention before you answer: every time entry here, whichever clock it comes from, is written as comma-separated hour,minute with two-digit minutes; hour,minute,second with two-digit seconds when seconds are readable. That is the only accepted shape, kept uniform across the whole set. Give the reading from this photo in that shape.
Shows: 11,03
